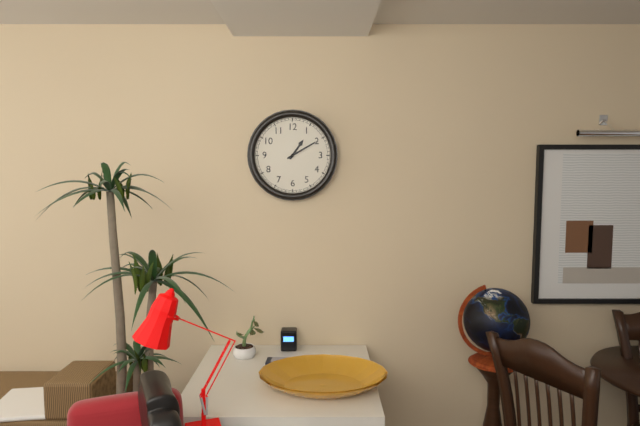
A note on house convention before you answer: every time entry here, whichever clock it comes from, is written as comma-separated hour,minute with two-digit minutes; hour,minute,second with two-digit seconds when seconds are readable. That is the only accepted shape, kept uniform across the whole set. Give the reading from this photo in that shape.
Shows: 1,10
